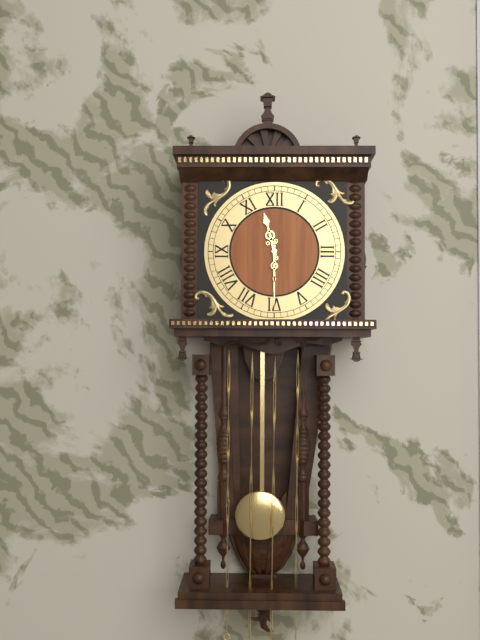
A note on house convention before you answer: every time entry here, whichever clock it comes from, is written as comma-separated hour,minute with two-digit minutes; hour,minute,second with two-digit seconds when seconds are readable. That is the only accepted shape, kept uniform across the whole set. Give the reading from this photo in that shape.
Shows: 11,30
